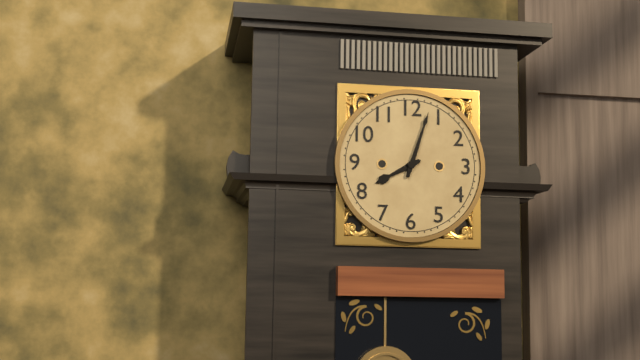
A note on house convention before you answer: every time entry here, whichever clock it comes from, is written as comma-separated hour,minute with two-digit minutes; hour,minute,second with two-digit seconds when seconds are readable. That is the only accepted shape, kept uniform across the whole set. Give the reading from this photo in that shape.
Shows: 8,03
